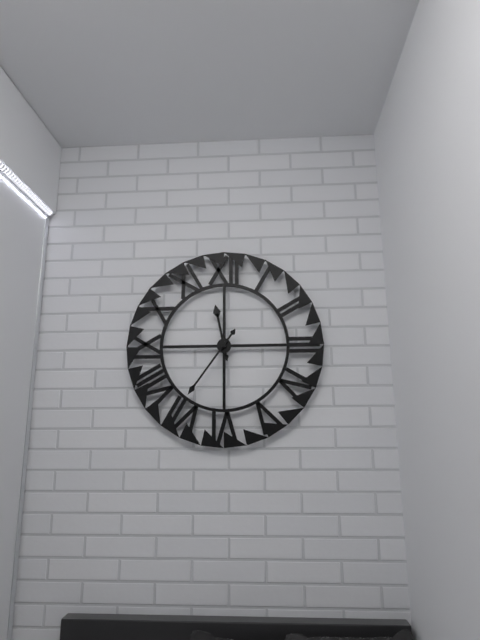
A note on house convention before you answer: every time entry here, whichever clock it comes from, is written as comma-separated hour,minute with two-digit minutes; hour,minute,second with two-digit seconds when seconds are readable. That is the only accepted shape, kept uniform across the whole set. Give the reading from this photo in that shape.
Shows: 11,36
